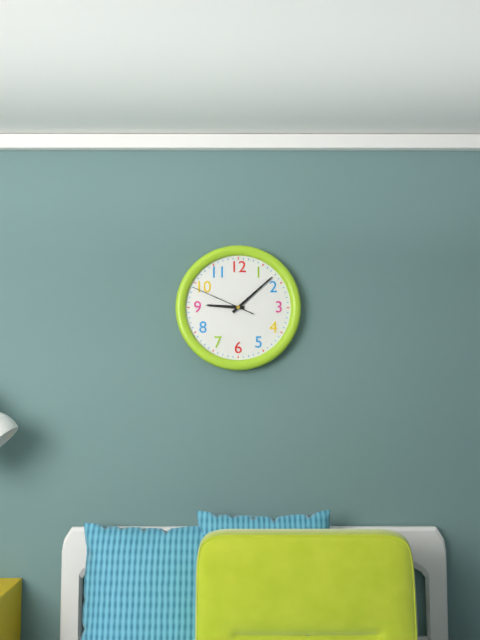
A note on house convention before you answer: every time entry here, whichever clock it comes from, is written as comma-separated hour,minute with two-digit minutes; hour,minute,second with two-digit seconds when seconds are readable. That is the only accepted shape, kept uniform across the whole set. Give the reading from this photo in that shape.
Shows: 9,08,49
